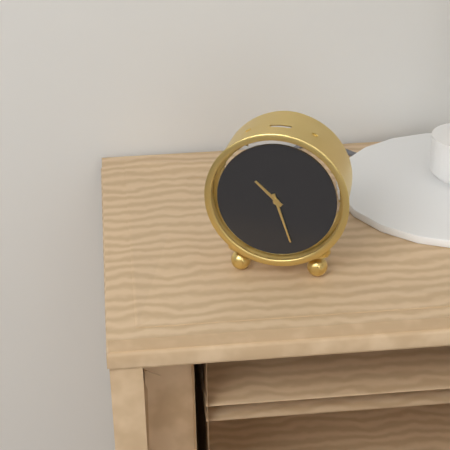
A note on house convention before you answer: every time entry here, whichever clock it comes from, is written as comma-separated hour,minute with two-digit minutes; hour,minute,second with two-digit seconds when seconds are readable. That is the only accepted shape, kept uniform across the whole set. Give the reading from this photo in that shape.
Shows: 10,27
